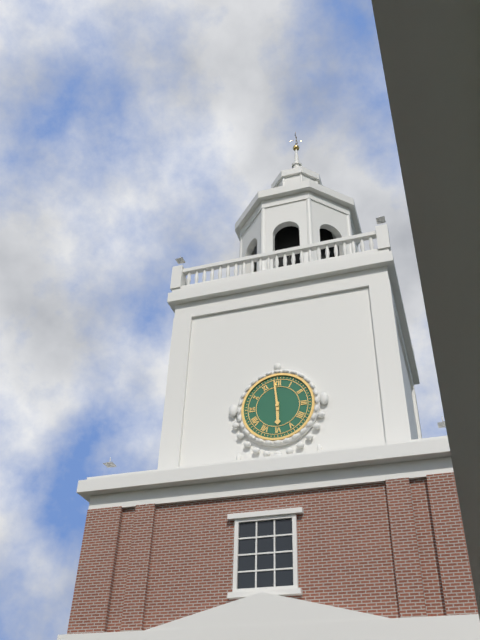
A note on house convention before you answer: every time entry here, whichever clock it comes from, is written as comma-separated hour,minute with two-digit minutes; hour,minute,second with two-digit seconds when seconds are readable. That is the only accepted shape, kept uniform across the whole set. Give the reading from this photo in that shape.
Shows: 5,59
